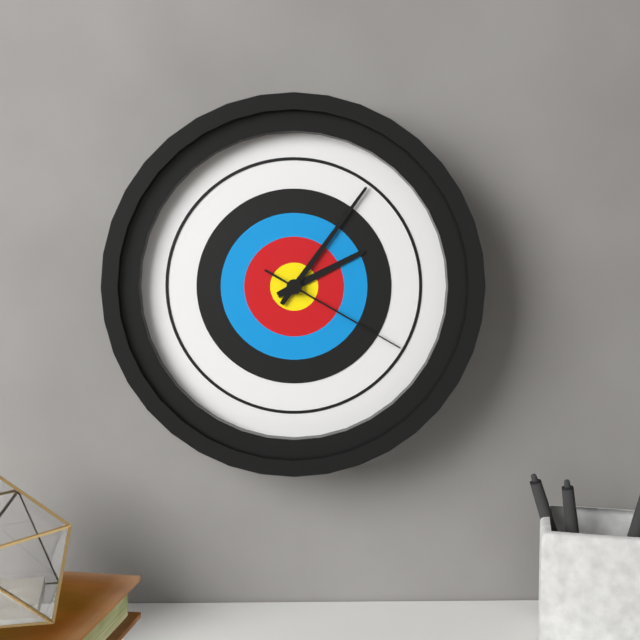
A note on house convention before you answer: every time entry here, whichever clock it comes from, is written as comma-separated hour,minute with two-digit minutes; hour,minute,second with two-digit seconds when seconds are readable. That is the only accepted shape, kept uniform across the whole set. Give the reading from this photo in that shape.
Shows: 2,06,20
